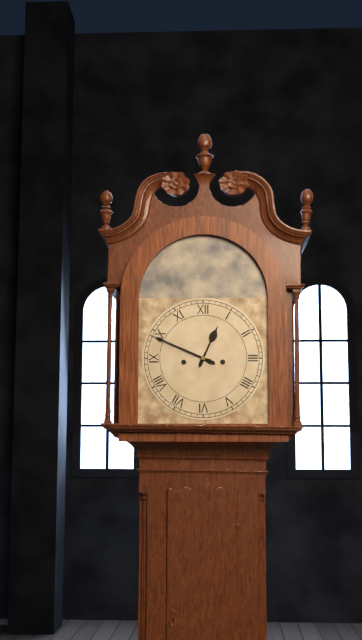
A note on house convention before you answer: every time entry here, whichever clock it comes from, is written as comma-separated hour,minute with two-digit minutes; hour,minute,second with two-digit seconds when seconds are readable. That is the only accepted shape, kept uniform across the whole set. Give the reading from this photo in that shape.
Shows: 12,49
